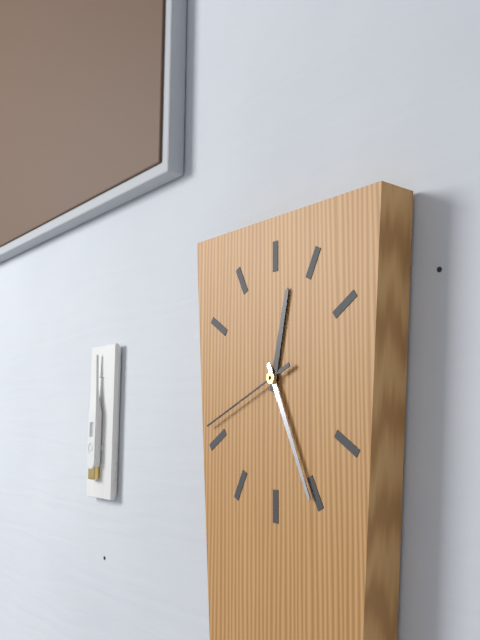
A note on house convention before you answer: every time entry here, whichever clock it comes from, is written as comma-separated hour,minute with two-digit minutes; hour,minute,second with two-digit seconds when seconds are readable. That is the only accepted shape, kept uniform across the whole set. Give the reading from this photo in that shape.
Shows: 12,26,41
